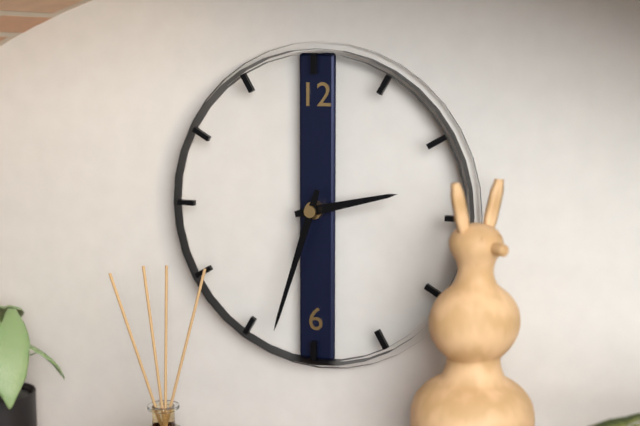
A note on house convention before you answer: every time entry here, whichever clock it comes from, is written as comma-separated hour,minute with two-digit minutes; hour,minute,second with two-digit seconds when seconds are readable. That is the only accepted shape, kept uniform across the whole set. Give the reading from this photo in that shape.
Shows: 2,33
